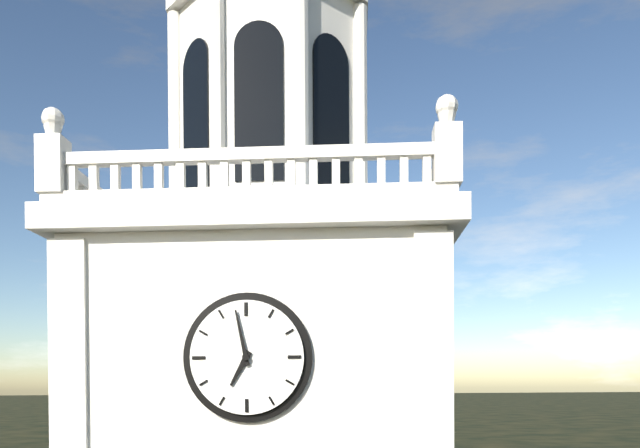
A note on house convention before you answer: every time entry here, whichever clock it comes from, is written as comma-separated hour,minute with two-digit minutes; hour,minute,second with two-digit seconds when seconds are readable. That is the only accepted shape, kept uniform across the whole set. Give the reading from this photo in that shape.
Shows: 6,58
